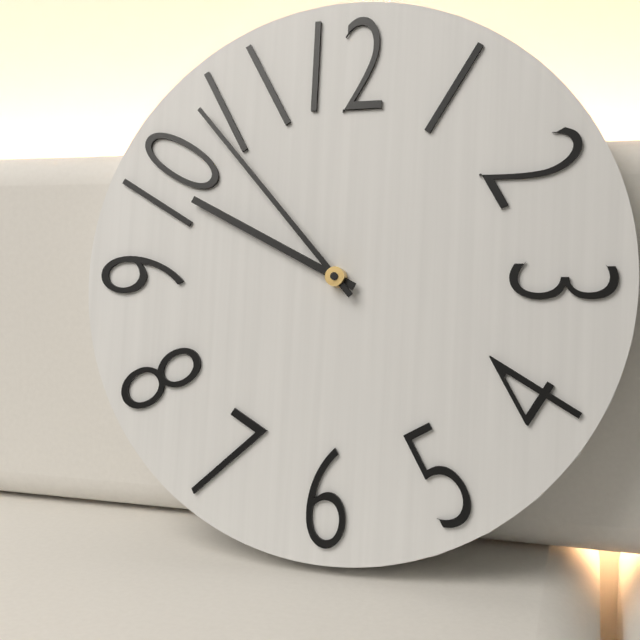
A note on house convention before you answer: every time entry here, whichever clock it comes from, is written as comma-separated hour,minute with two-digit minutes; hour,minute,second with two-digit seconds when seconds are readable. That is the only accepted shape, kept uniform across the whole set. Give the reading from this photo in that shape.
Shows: 9,53
